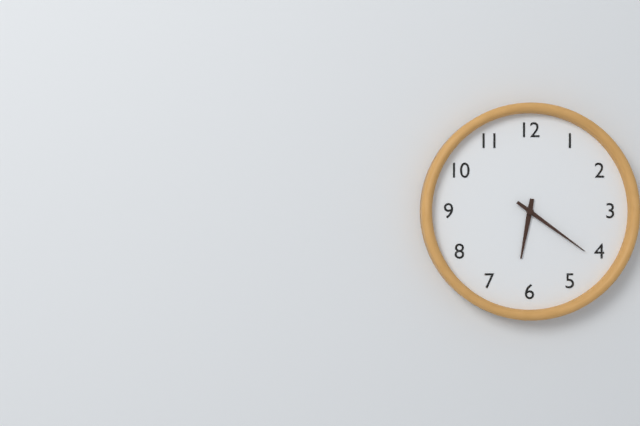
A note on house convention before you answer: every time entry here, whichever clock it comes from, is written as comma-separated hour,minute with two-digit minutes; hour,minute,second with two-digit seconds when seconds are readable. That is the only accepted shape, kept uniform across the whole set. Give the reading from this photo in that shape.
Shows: 6,21
